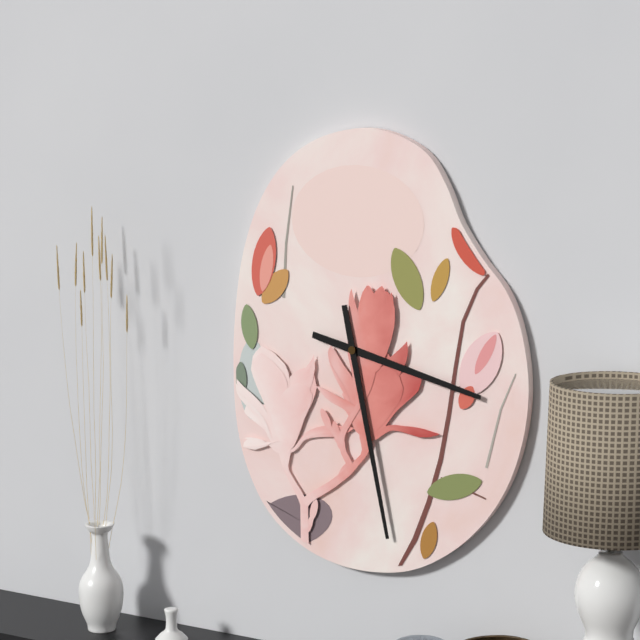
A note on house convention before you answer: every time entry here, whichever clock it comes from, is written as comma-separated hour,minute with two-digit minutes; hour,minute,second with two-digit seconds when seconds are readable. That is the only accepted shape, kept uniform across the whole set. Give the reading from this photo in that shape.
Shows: 3,28
